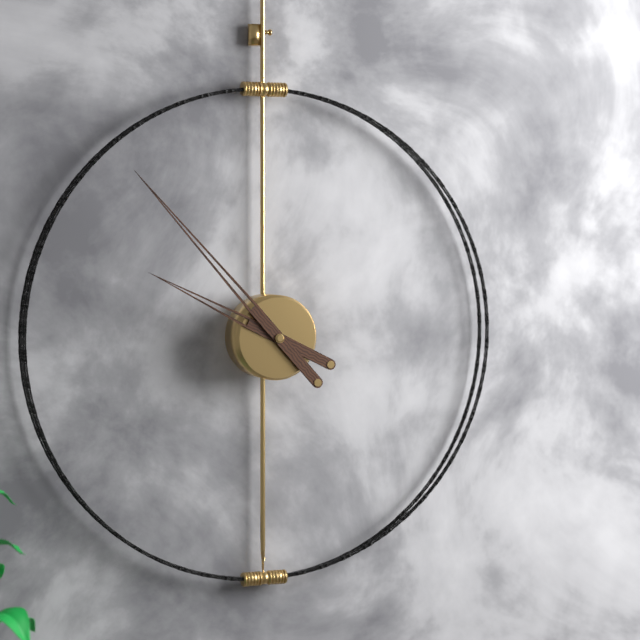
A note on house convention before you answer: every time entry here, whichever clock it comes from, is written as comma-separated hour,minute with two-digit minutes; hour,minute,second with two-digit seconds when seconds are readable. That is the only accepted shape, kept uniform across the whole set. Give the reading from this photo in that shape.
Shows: 9,53
